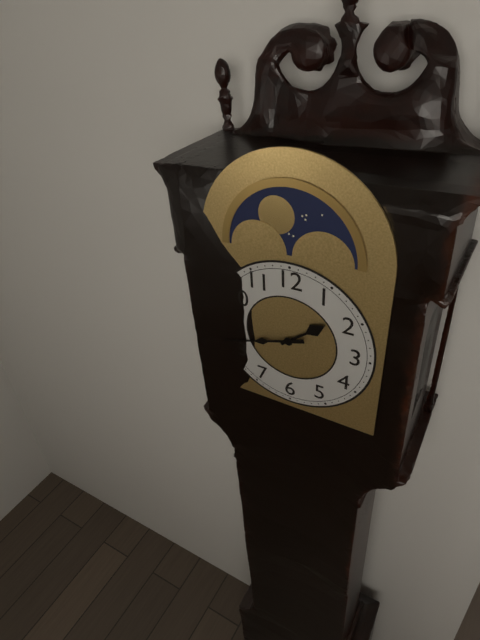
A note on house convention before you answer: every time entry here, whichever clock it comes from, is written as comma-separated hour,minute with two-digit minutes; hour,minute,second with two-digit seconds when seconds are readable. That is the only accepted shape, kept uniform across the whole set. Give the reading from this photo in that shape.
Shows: 1,42
